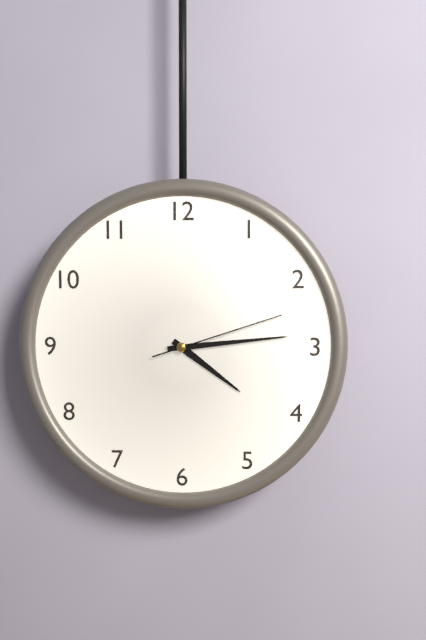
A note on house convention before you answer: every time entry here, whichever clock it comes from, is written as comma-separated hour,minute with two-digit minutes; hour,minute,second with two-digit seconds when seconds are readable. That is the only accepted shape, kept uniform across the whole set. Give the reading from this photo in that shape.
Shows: 4,14,12
